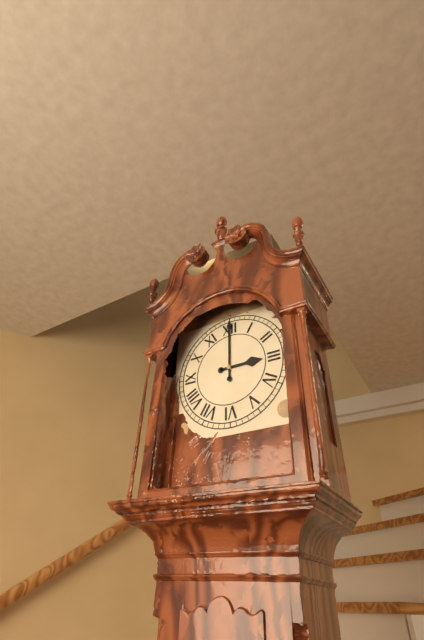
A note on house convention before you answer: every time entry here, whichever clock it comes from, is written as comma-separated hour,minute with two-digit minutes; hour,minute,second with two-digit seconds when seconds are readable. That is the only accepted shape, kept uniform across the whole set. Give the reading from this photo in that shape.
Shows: 3,00
